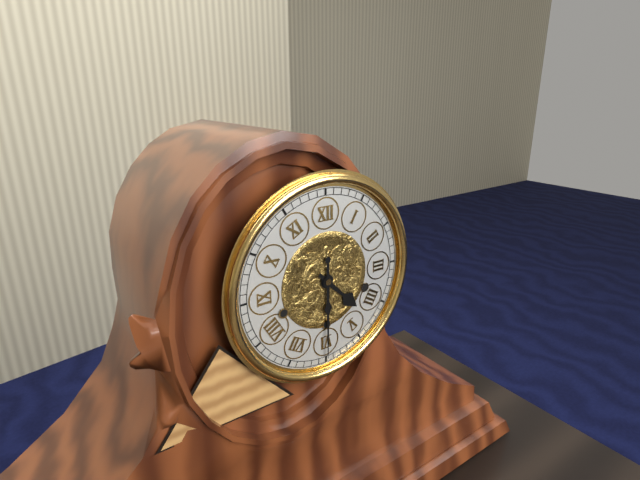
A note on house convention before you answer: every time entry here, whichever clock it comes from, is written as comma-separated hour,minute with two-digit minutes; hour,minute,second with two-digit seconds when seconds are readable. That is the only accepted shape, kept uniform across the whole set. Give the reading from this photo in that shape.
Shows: 4,30
